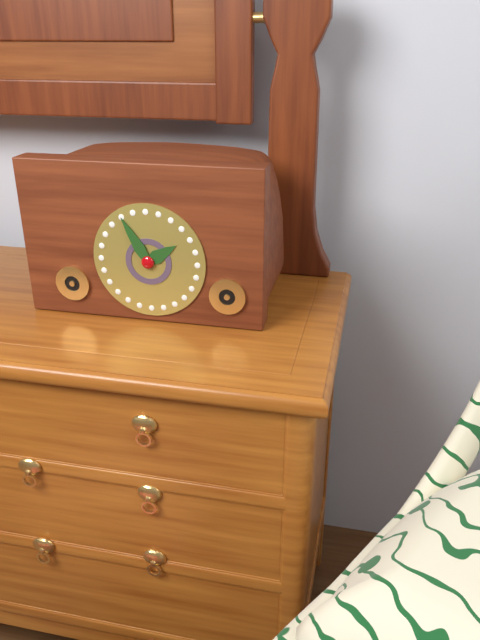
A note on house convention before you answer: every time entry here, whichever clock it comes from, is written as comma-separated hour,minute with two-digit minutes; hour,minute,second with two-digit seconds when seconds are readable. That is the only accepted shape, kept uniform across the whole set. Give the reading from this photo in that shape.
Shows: 1,55
